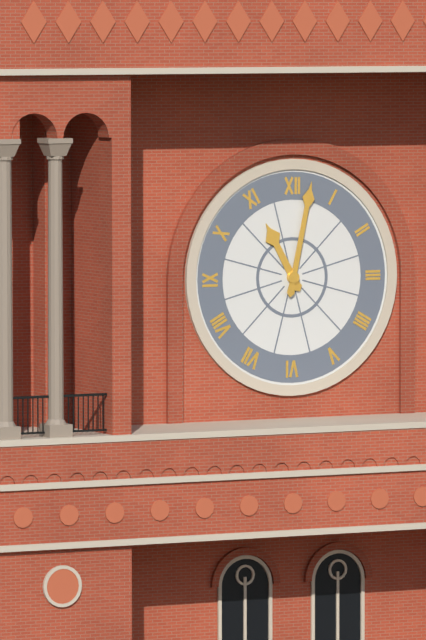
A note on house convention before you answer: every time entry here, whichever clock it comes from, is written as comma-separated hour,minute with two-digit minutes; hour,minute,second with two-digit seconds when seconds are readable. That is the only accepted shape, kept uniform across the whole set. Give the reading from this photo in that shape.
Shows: 11,02
